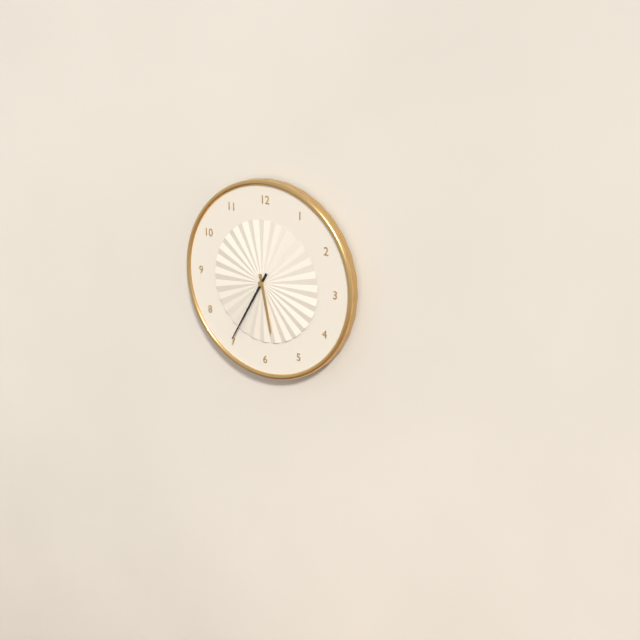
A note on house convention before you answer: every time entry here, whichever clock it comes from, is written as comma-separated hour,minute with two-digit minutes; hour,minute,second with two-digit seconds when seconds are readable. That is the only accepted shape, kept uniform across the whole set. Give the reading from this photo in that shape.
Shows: 5,35
